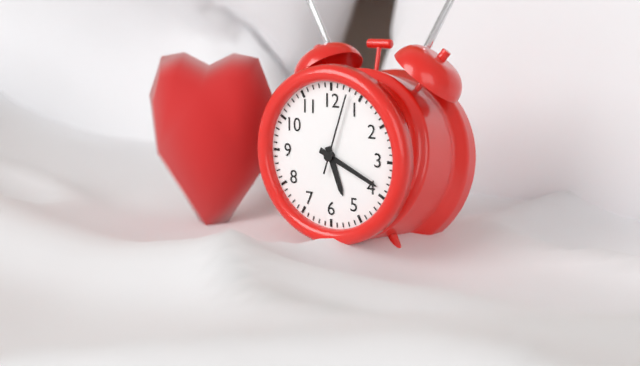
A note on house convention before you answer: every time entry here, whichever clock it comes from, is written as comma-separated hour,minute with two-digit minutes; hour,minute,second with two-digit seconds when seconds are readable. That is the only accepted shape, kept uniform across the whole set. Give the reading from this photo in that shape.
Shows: 5,19,03
